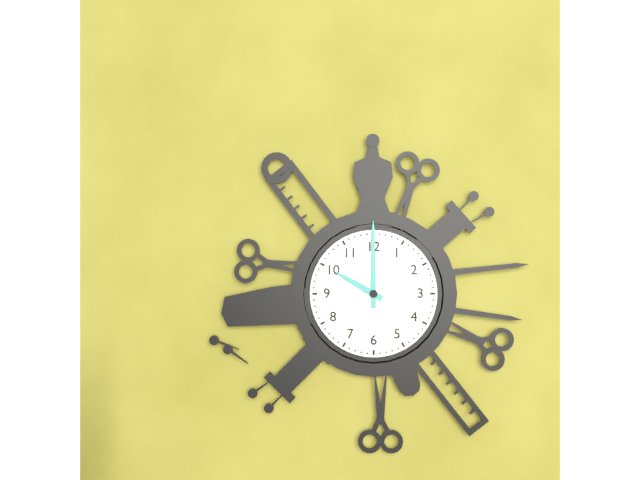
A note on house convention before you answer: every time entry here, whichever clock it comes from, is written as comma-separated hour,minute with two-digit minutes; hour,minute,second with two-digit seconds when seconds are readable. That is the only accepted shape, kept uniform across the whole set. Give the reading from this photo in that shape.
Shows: 10,00
